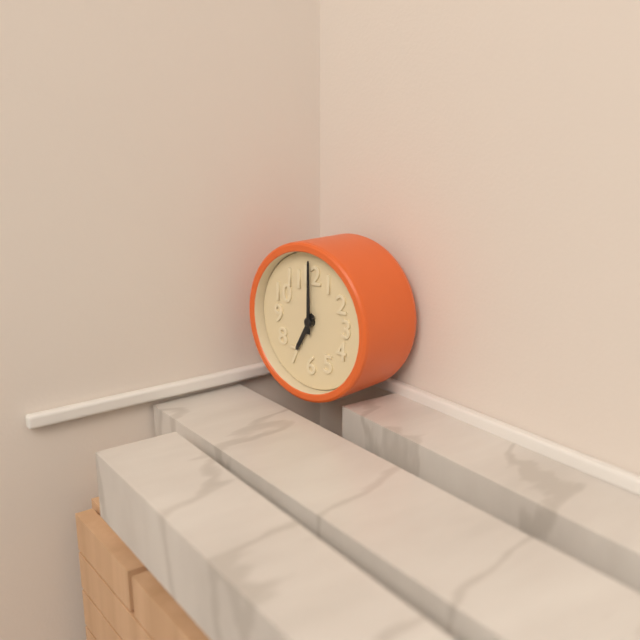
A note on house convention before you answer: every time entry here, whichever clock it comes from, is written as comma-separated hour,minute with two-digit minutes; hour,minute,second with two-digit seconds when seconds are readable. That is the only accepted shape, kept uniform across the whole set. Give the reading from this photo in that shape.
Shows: 7,00
